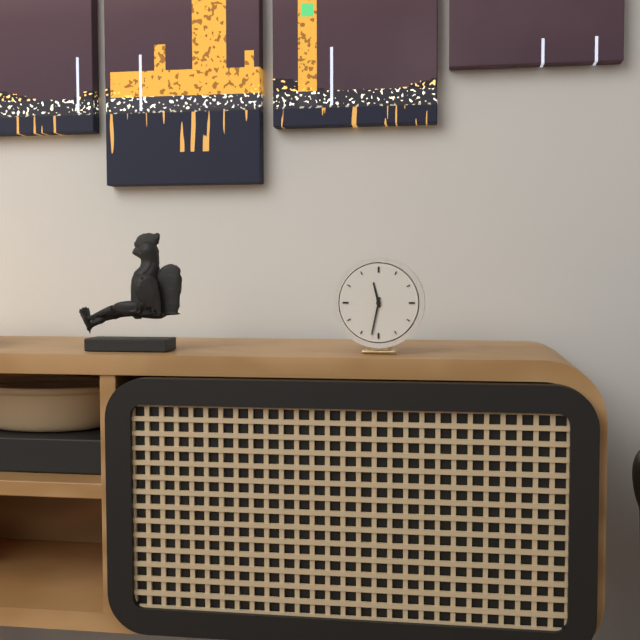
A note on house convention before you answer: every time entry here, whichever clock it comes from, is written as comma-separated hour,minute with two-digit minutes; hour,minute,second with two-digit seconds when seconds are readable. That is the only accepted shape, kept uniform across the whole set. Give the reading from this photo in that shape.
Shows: 11,32
